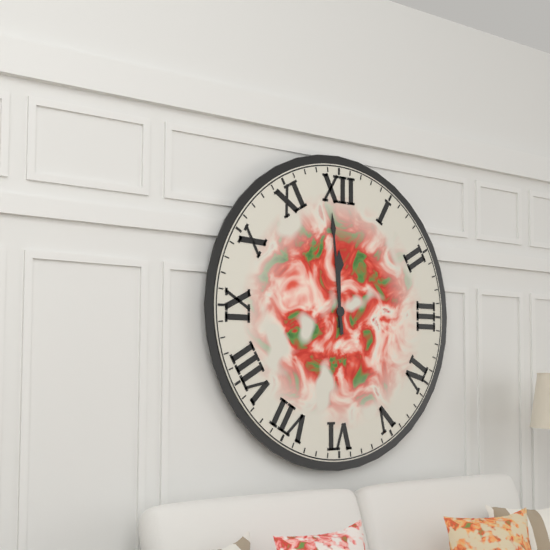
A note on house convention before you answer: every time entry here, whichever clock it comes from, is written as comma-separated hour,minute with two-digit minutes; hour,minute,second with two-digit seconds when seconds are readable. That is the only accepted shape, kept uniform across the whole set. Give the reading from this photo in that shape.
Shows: 11,59
